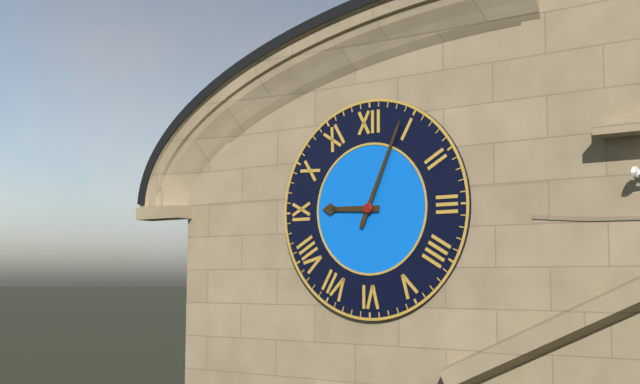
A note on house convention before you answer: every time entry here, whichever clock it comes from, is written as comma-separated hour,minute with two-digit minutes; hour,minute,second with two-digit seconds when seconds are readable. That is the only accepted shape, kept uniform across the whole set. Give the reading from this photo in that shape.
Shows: 9,04
